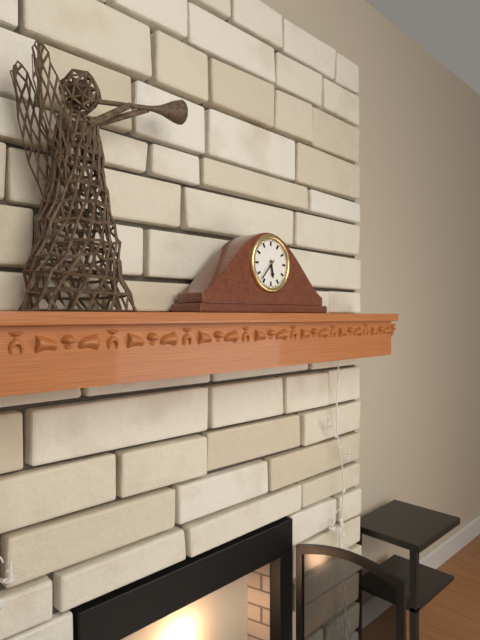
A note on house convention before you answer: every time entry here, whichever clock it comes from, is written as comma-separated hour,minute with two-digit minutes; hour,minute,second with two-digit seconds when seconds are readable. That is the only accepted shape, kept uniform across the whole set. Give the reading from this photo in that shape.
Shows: 5,37
